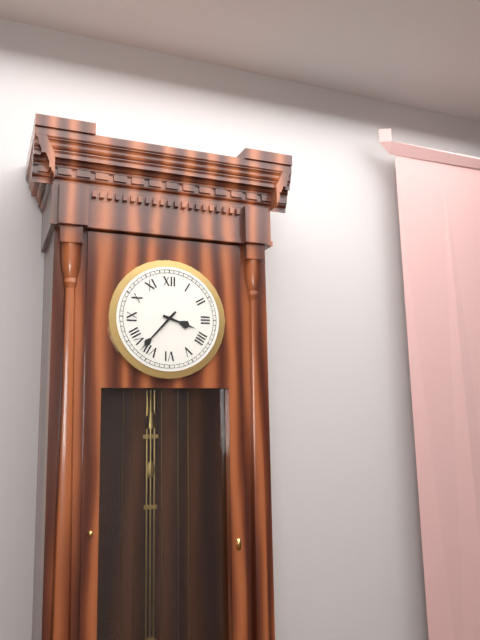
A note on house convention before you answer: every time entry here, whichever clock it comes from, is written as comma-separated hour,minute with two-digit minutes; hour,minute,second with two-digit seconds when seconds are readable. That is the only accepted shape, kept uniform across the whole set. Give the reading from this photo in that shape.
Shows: 3,37
